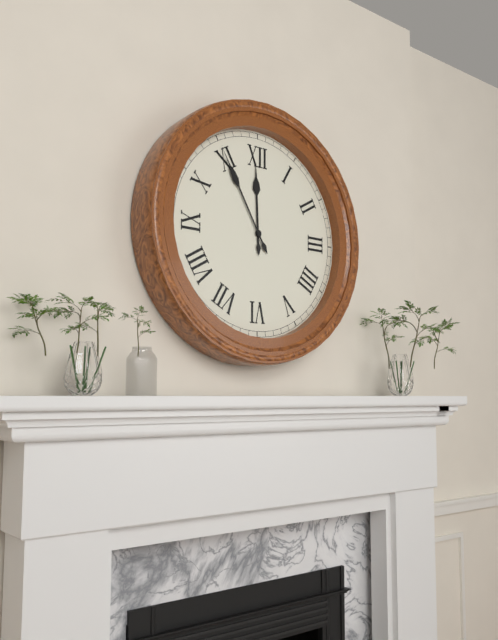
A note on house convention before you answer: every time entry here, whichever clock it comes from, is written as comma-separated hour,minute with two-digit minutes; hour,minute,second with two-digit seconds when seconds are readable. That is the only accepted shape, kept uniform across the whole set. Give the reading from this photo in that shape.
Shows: 11,55
